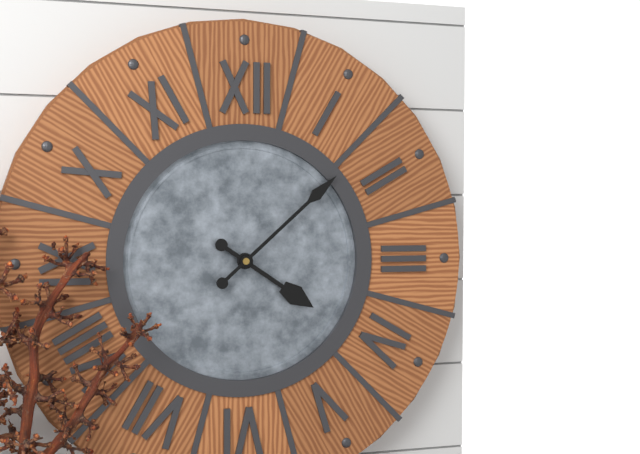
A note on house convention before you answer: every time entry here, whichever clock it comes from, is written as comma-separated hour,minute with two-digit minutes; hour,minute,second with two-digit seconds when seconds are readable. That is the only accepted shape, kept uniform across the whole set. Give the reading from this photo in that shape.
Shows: 4,08
